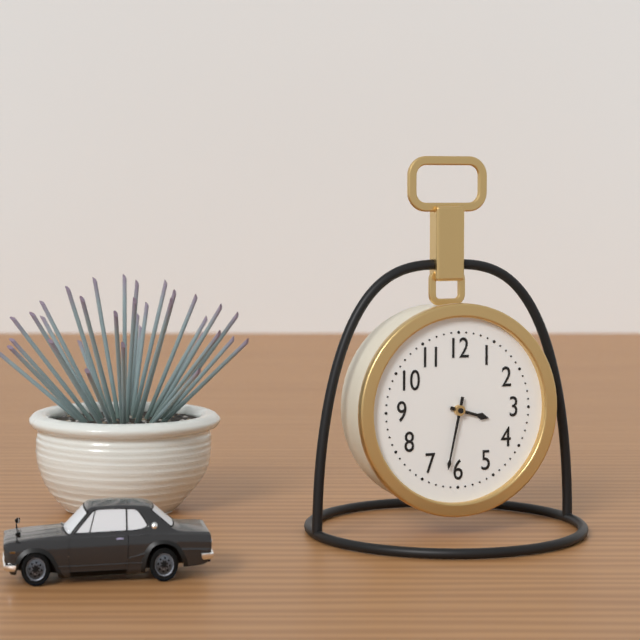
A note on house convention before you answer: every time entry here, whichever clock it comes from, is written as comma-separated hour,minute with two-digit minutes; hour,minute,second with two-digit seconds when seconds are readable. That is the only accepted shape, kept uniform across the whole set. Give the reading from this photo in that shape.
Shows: 3,32
